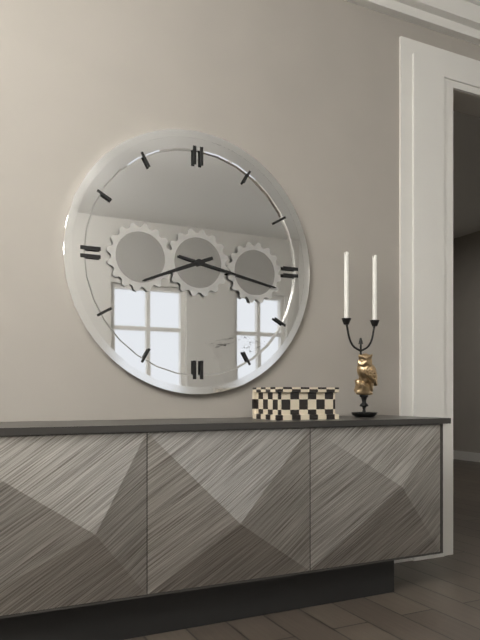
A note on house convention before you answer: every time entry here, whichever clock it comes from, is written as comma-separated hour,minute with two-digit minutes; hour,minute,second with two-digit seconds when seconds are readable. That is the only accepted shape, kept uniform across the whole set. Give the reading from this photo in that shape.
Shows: 8,17
